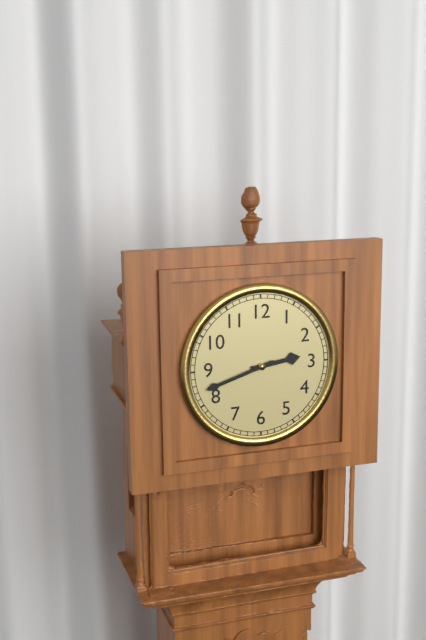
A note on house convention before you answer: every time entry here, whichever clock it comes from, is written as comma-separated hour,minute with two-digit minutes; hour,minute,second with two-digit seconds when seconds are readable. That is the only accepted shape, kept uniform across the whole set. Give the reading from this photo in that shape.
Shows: 2,42
